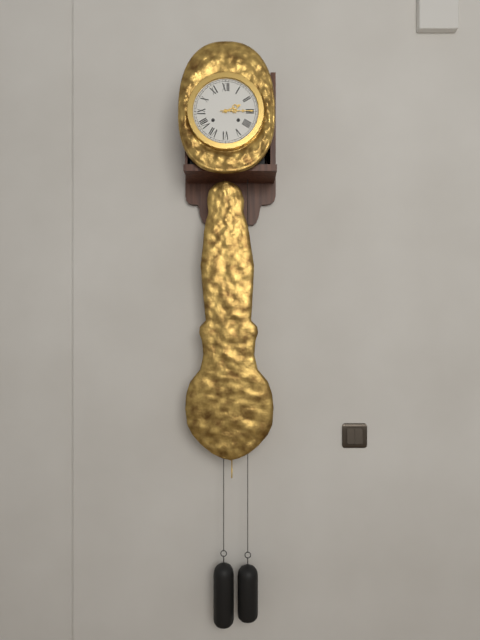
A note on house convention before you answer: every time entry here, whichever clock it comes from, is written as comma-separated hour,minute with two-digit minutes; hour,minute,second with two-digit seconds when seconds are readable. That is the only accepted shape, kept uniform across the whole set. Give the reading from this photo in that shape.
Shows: 2,15
